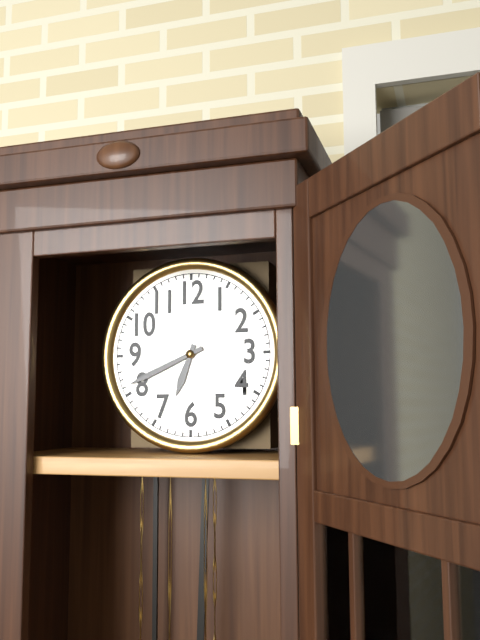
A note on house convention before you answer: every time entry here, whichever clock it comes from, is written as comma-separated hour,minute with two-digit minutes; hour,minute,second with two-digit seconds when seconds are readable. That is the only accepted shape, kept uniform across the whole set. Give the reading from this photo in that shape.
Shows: 6,41
